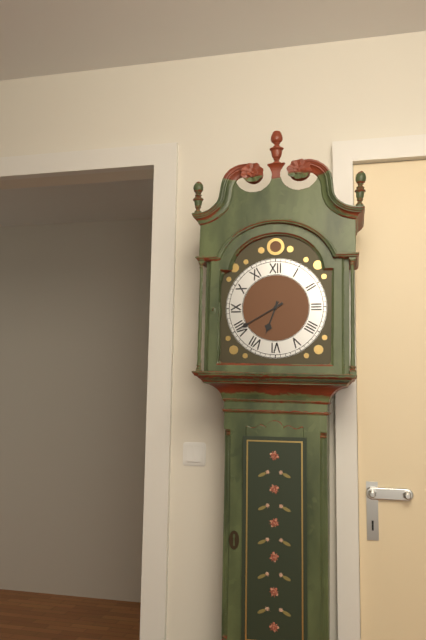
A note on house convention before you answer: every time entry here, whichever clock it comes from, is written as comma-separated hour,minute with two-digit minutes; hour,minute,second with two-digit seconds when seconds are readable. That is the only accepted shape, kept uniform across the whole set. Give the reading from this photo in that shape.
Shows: 6,40
